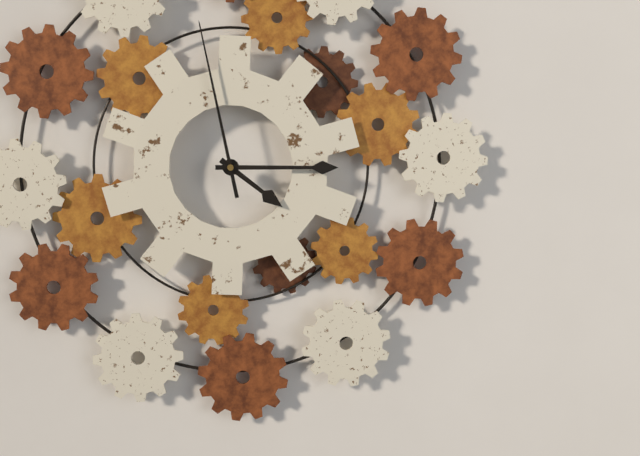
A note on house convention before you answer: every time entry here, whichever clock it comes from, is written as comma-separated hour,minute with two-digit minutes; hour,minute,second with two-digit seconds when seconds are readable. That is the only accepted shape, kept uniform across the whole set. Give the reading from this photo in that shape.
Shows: 4,15,58
